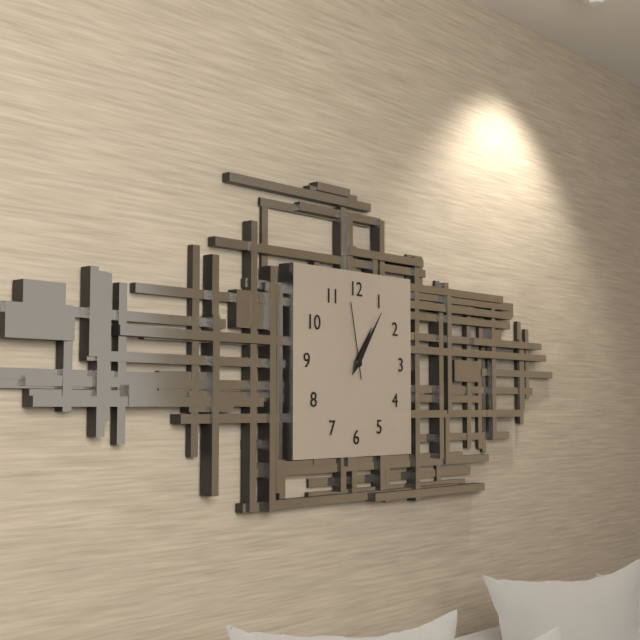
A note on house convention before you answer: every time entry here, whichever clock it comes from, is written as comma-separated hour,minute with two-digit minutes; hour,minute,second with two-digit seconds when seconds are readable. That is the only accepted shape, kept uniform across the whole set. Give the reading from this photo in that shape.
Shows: 1,06,58
